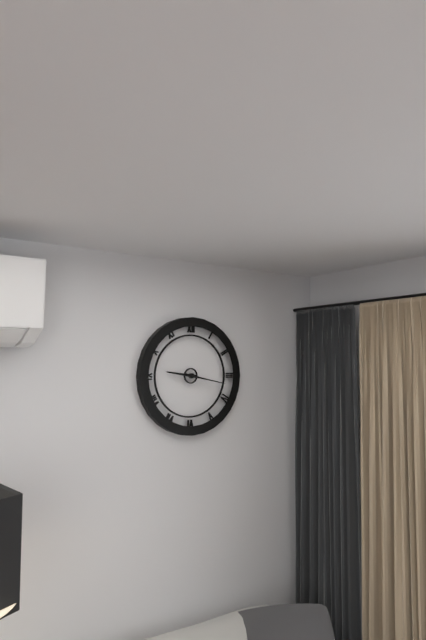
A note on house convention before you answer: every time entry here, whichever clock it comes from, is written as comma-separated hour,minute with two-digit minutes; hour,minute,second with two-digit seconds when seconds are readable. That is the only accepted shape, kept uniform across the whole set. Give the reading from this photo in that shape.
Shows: 9,17
